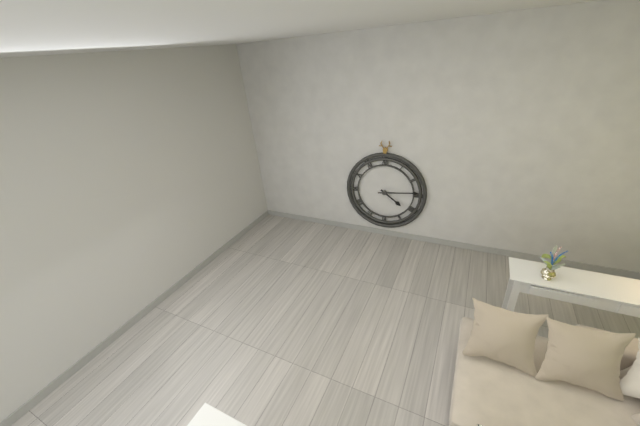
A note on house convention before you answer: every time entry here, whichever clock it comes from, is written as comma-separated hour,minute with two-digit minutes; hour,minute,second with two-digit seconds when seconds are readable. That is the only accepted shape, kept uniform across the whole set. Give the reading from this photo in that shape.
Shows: 4,14
